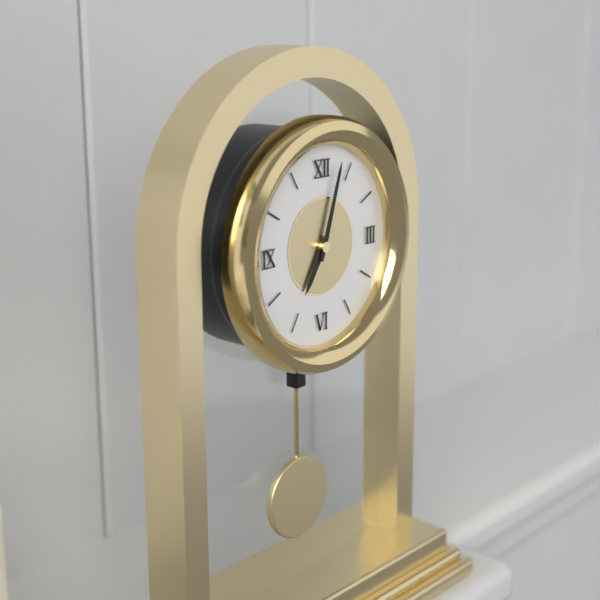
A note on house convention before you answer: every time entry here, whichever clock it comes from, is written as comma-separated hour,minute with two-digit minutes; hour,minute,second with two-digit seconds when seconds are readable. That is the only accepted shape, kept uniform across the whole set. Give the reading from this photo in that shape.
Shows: 7,03
